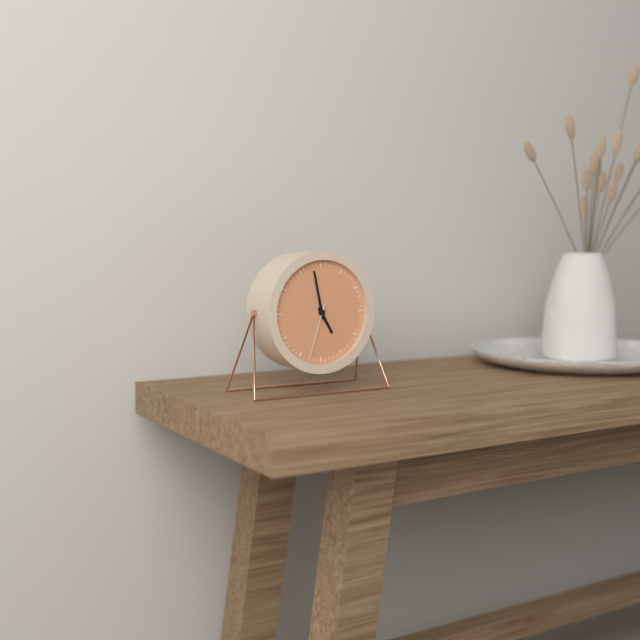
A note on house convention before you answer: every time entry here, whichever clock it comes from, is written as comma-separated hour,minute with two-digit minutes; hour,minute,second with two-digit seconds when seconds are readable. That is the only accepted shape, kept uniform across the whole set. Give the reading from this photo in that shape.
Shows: 4,58,33
